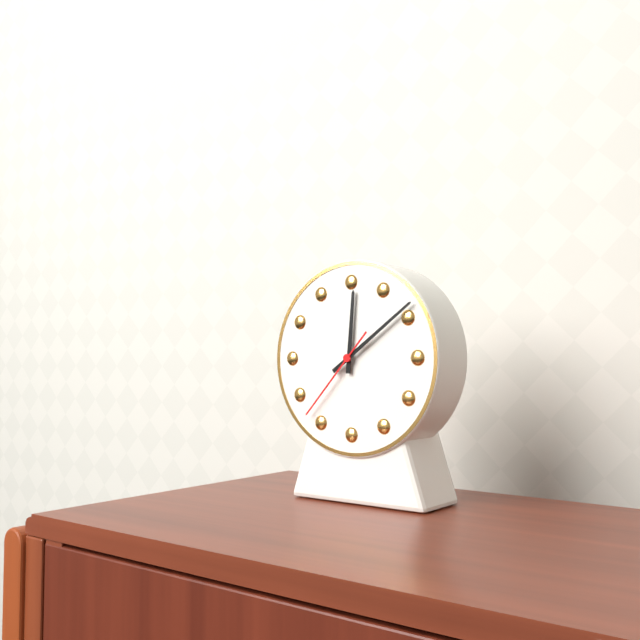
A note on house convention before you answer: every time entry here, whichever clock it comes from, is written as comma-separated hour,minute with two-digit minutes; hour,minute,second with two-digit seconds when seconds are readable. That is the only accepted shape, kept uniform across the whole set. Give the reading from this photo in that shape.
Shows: 12,09,37
